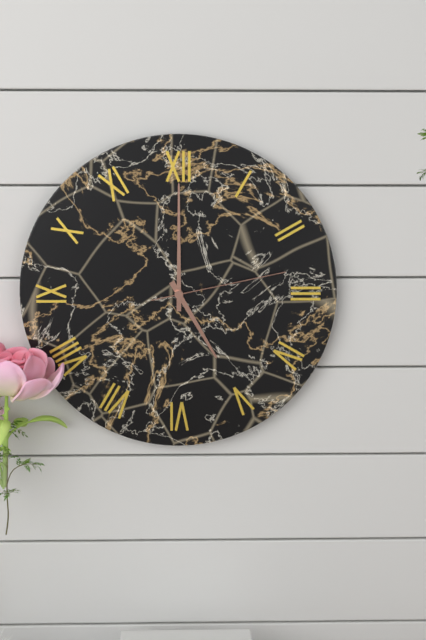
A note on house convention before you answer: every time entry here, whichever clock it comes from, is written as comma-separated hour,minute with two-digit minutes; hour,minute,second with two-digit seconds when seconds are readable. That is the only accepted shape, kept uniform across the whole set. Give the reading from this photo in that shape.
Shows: 5,00,13
